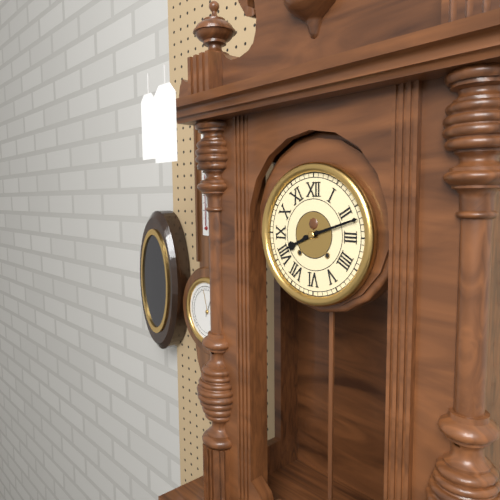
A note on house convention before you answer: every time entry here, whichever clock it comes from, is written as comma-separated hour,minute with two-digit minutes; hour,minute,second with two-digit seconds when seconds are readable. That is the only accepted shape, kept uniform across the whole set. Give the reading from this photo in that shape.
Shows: 8,12
